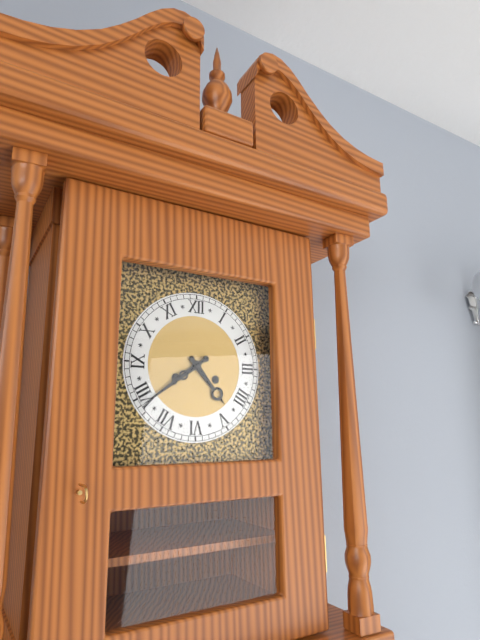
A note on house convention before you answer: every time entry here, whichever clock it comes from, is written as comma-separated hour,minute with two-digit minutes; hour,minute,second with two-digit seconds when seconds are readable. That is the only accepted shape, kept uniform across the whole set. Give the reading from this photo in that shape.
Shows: 4,39
